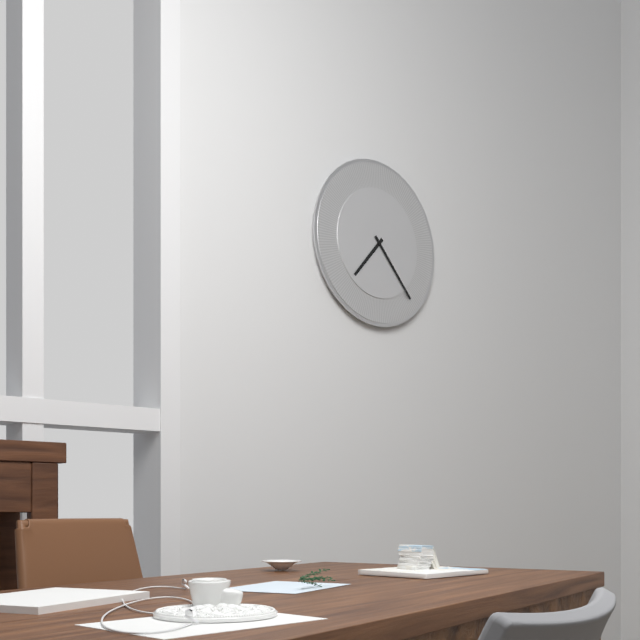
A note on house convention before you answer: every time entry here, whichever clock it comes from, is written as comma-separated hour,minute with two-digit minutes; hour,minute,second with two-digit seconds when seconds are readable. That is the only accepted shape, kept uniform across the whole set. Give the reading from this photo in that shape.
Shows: 7,23
